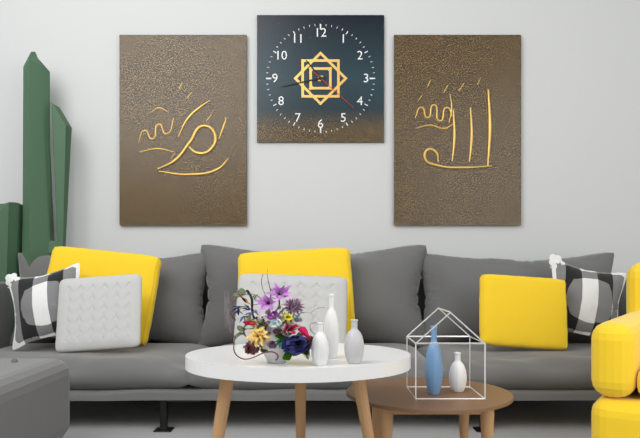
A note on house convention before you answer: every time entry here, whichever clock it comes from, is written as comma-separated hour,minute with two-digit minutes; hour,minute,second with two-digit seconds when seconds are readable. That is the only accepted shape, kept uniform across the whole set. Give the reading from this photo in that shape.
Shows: 10,43,22
